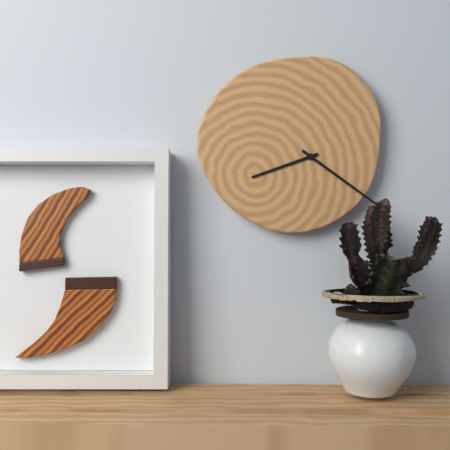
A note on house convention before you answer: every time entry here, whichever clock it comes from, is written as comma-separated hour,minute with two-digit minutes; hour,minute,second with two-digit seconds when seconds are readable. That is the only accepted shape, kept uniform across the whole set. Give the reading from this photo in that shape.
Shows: 8,21
